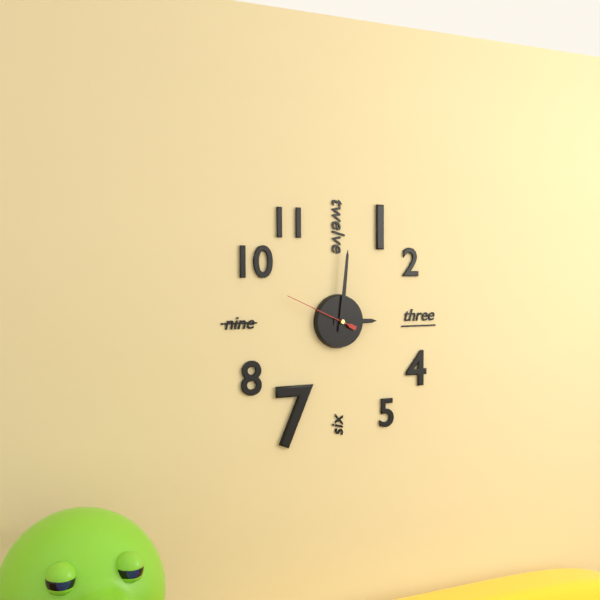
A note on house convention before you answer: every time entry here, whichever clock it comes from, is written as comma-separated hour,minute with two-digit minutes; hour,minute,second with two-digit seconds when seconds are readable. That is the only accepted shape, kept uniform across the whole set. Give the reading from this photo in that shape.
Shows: 3,01,49
